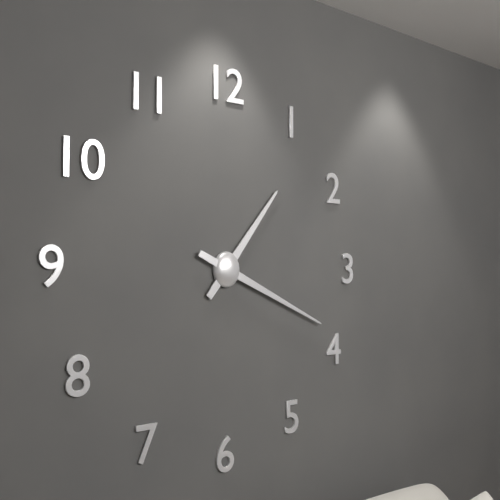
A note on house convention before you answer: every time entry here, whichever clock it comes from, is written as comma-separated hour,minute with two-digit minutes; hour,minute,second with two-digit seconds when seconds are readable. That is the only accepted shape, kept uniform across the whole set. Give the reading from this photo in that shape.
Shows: 1,19
